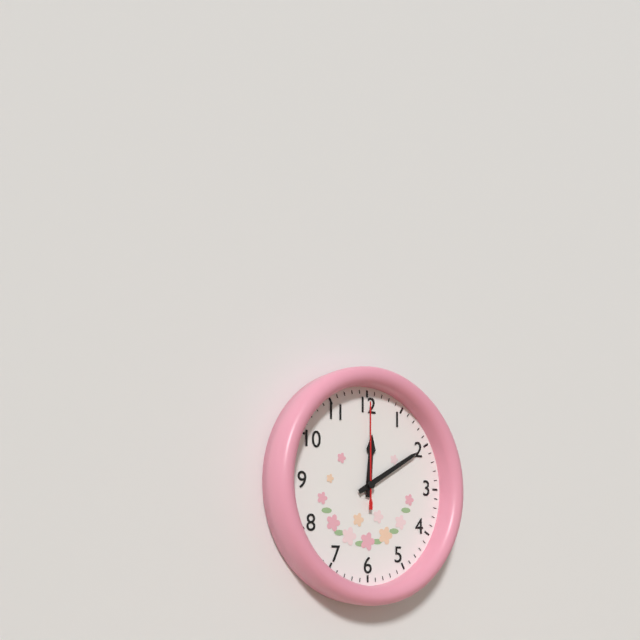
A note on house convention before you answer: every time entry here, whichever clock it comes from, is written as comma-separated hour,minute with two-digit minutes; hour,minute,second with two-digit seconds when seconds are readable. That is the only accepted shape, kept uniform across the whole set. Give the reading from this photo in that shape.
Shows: 12,10,00
